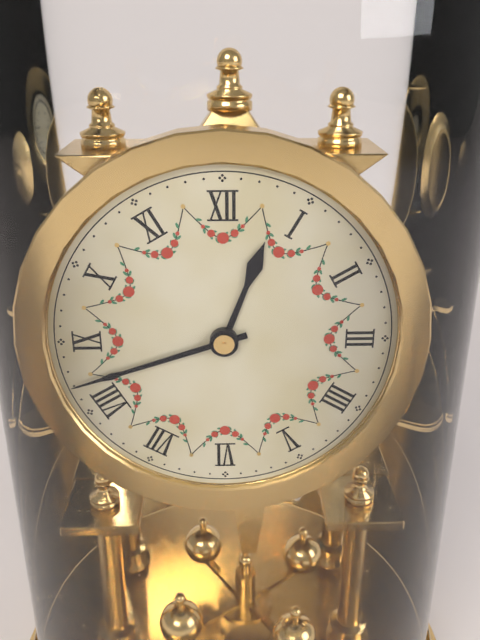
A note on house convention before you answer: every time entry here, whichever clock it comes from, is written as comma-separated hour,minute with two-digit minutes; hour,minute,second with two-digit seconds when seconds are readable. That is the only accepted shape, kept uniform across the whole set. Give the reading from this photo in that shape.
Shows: 12,42
